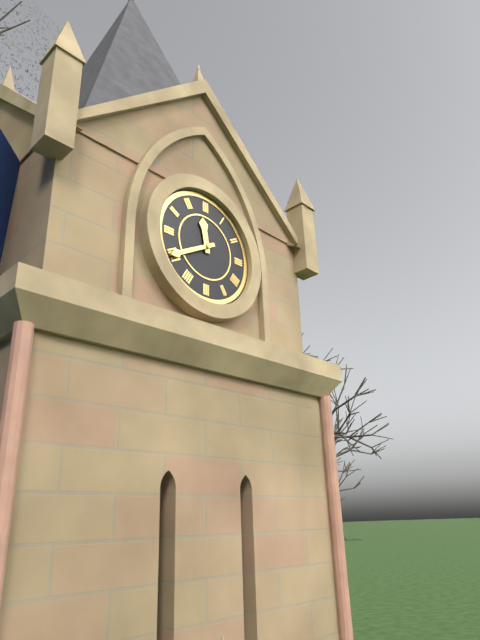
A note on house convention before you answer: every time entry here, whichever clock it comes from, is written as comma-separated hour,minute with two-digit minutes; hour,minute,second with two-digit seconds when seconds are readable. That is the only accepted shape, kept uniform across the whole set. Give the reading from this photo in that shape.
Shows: 11,40
